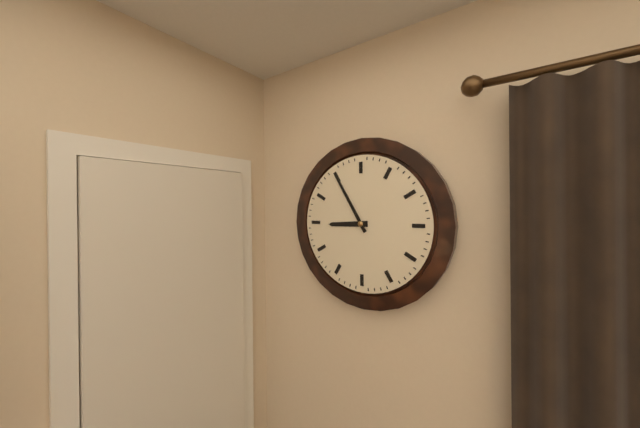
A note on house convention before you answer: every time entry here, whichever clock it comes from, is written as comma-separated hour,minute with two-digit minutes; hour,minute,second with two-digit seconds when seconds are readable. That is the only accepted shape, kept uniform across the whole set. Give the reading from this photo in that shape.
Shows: 8,55
